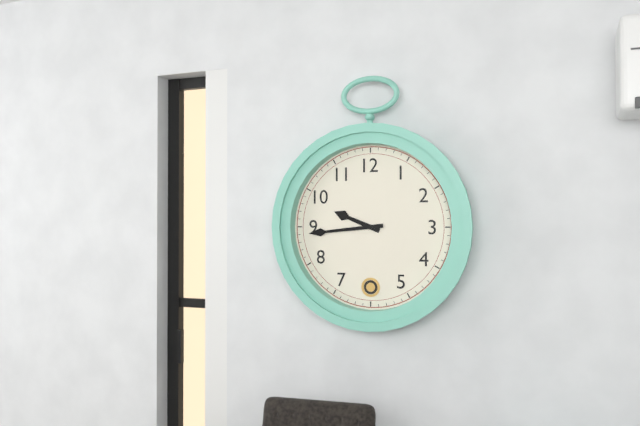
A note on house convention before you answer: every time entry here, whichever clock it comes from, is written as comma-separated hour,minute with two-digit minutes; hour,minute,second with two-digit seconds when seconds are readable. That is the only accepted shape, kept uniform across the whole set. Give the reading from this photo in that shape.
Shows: 9,44
